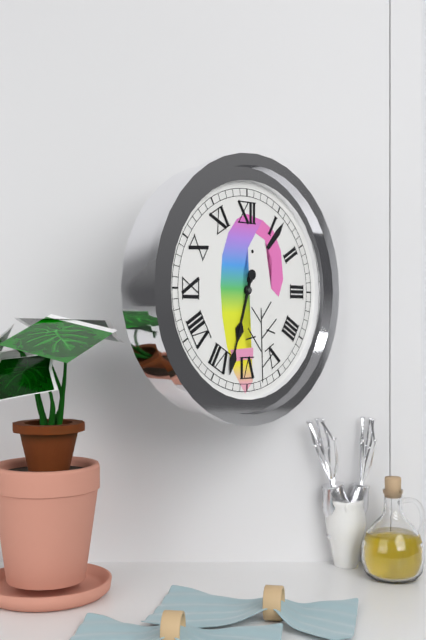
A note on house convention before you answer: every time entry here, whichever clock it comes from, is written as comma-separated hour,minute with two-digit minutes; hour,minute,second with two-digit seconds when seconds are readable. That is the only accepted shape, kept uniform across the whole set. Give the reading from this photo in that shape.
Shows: 6,33
